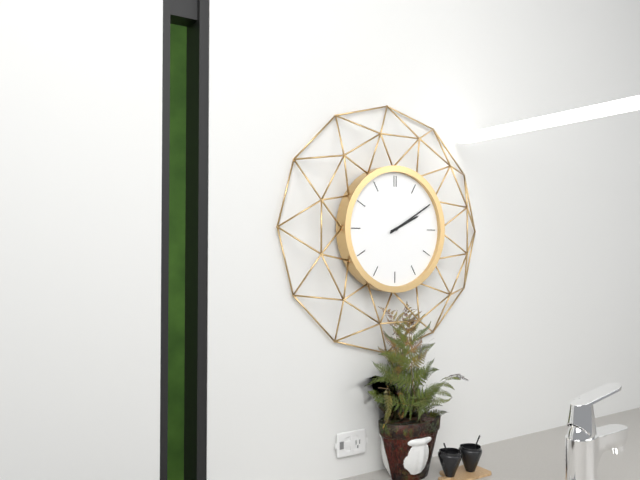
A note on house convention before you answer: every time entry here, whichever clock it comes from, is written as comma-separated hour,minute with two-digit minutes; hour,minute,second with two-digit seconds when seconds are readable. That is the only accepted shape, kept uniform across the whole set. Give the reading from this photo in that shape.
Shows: 2,10
